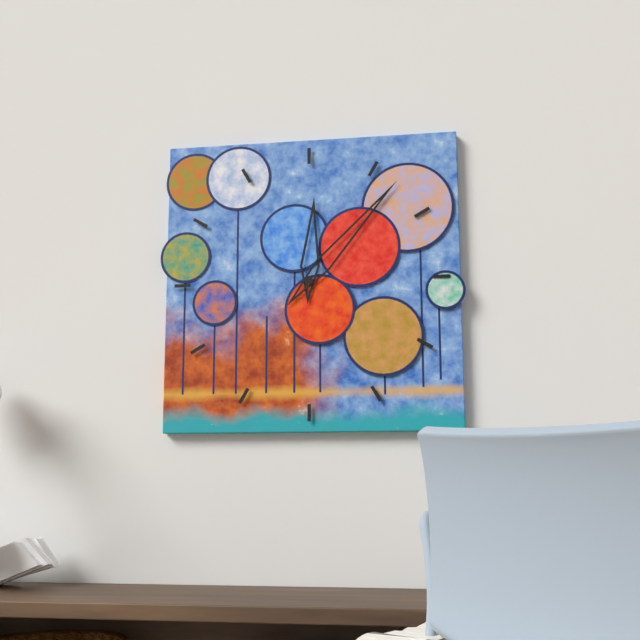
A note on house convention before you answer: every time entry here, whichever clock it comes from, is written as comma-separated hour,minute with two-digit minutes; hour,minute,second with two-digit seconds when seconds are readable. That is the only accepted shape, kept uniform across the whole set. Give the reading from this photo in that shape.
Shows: 12,07
